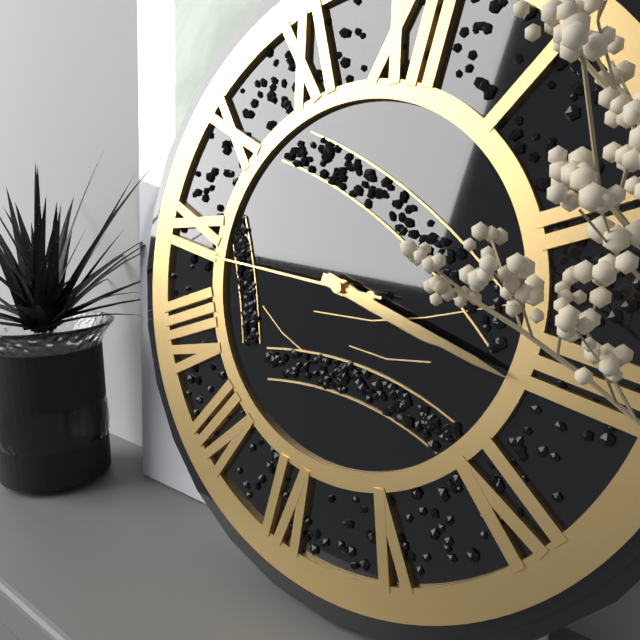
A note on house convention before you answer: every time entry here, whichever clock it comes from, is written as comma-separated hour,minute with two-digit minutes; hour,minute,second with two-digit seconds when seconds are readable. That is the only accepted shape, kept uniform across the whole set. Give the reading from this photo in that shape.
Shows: 3,16,44
